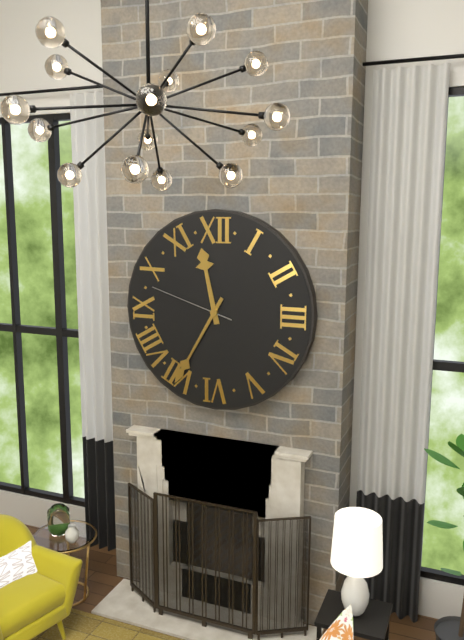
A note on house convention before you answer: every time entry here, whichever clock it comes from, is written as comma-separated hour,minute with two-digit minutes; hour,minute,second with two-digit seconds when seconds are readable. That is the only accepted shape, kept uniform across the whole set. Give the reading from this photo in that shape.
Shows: 11,35,48
